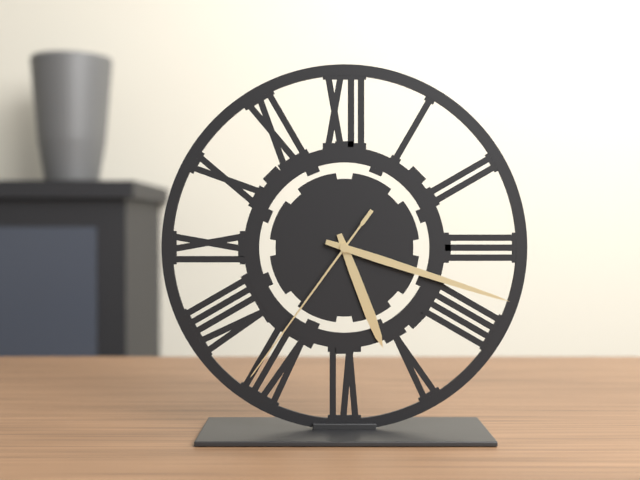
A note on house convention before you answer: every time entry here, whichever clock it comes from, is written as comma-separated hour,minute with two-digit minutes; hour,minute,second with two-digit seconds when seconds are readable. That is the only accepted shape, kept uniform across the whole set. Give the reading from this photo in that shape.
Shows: 5,18,36
